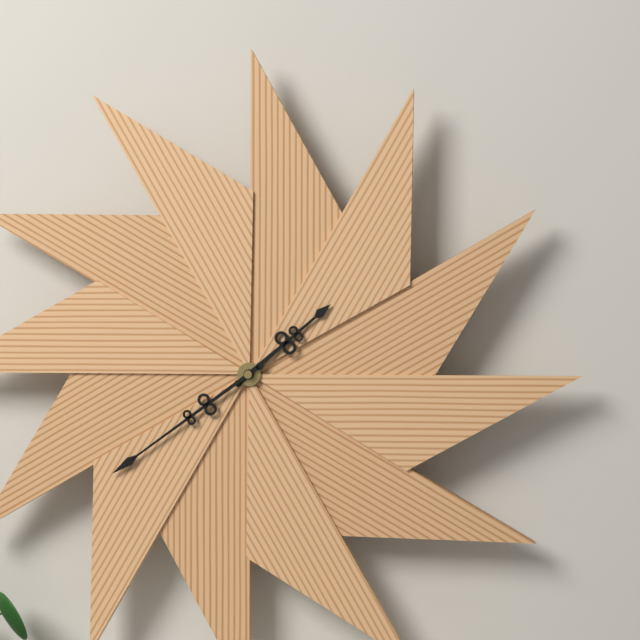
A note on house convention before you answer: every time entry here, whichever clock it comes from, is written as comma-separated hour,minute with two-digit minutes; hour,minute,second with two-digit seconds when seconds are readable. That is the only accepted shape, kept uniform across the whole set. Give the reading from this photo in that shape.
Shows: 1,39
